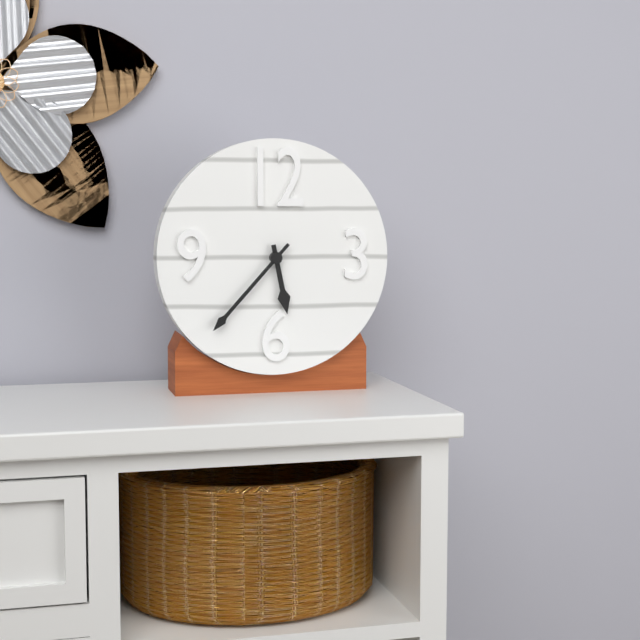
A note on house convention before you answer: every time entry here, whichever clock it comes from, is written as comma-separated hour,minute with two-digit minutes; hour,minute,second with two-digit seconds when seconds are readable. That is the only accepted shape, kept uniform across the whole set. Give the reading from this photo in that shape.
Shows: 5,37
